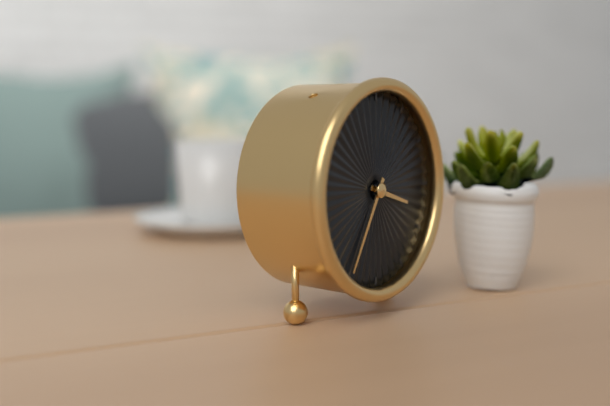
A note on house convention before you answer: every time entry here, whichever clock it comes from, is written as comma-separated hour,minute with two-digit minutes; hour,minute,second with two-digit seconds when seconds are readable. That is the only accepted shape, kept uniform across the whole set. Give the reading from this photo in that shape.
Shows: 3,35
